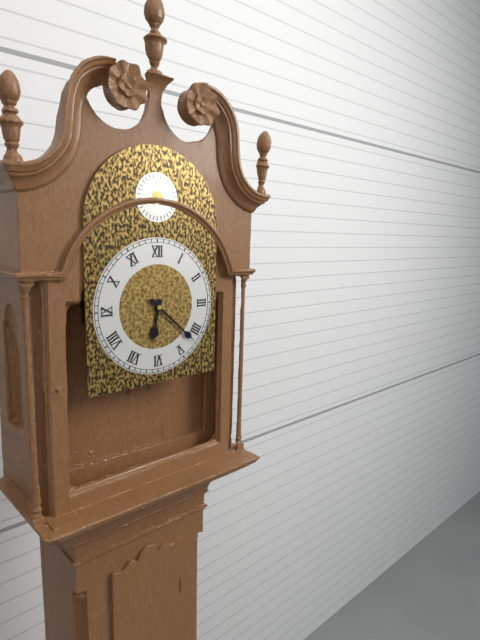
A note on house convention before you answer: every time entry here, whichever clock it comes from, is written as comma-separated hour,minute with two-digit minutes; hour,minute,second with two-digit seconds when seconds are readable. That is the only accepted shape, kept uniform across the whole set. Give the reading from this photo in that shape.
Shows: 6,22
